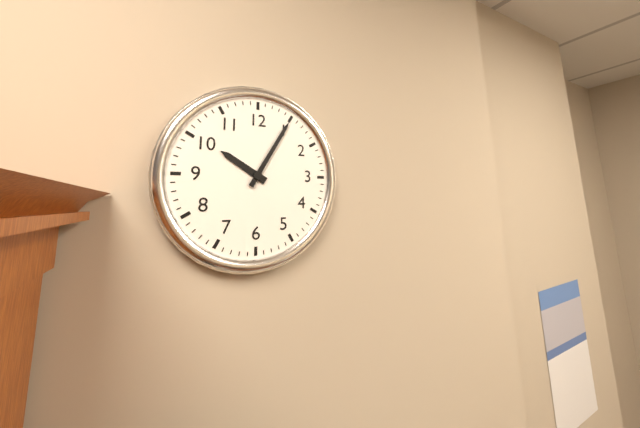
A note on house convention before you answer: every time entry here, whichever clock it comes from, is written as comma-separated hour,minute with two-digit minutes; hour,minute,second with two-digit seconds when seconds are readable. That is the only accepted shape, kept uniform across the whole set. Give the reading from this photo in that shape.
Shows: 10,05
